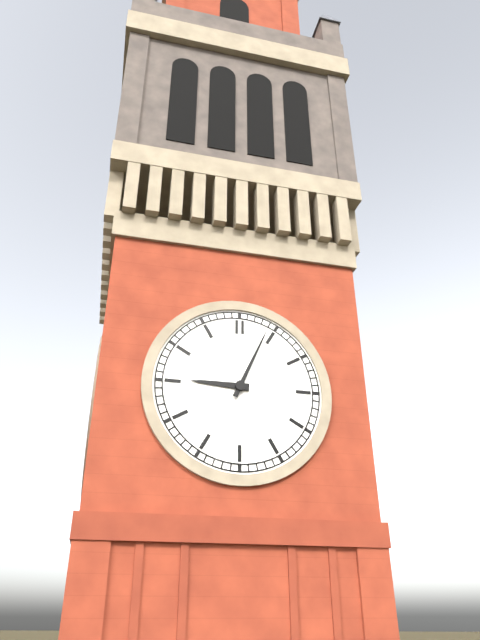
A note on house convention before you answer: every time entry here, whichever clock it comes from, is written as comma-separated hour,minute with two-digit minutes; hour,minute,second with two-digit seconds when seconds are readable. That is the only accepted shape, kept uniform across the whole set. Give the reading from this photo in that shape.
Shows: 9,04
